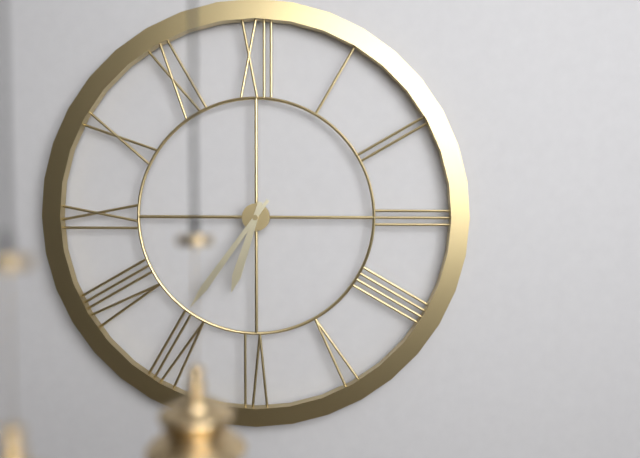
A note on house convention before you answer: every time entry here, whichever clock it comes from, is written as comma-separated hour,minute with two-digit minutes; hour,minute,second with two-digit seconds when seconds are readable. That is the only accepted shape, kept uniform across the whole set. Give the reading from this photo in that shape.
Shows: 6,36
